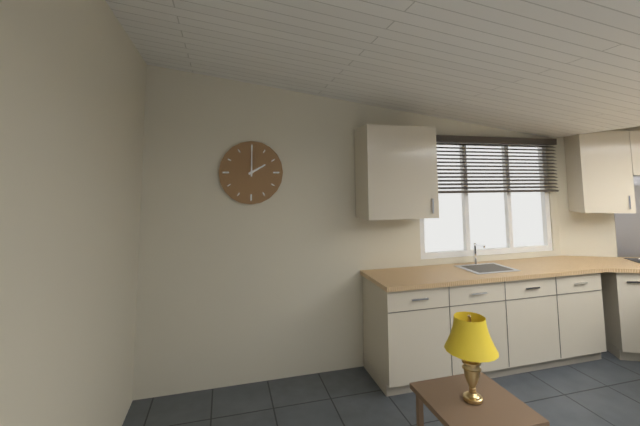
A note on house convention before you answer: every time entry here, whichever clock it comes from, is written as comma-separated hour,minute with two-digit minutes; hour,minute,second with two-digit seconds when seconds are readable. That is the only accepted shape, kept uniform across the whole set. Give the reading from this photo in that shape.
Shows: 2,00
